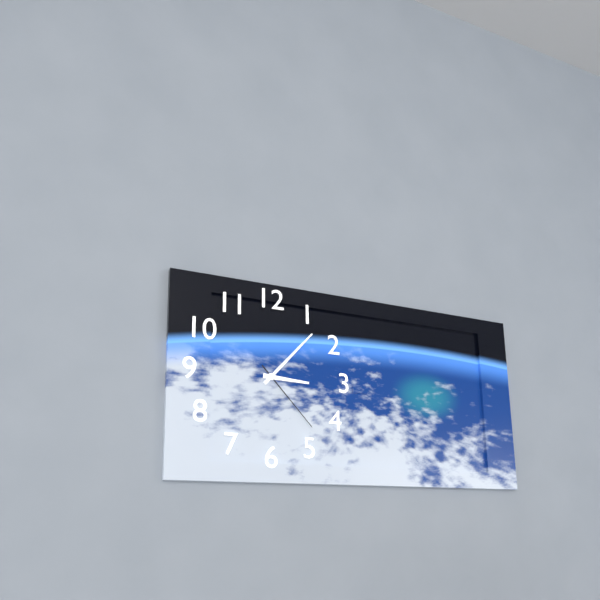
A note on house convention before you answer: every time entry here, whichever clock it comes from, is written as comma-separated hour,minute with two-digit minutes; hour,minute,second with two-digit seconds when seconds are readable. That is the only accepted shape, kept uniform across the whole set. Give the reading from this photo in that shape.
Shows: 3,07,23
